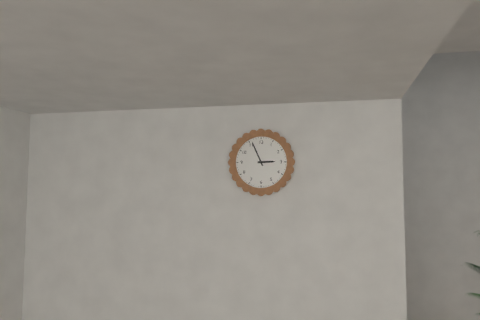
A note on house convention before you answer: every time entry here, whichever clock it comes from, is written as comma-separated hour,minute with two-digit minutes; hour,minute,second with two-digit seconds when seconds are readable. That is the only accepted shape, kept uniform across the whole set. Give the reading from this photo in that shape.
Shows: 2,56
